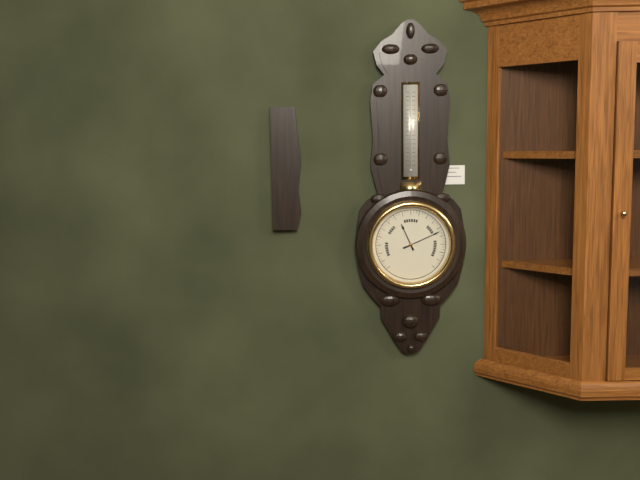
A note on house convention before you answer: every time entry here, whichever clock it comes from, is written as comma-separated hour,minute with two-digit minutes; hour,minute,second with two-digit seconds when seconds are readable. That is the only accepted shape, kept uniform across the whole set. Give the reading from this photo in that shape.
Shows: 11,11
